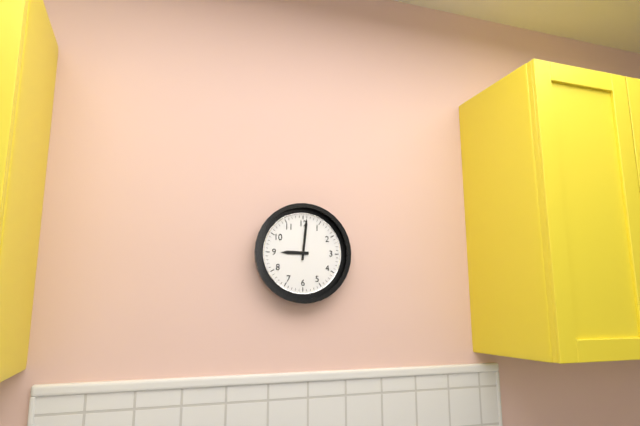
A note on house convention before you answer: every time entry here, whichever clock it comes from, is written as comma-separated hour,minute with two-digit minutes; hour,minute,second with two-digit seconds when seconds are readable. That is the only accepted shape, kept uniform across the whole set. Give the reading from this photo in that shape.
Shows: 9,01
